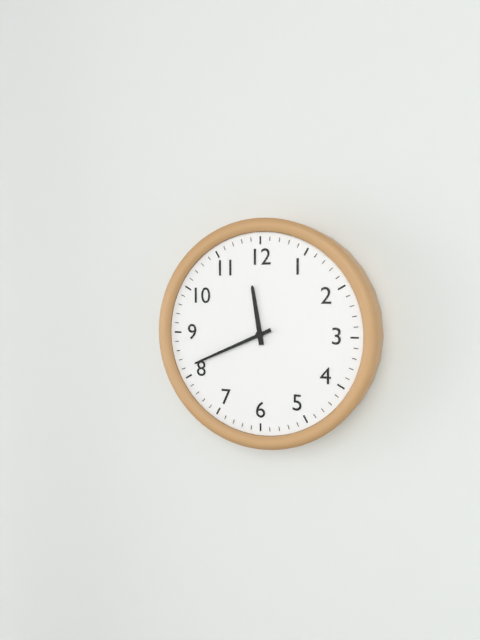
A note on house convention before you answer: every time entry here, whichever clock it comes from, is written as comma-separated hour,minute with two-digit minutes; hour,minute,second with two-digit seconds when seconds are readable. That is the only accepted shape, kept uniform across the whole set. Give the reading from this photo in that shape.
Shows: 11,41
